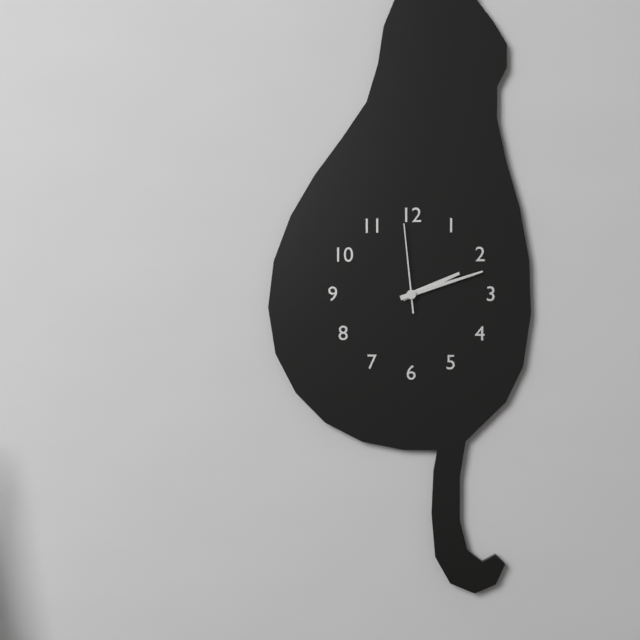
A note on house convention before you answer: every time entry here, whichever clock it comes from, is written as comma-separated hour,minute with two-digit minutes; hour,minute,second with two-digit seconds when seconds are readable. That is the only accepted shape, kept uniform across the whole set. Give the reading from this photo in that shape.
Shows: 2,12,59
